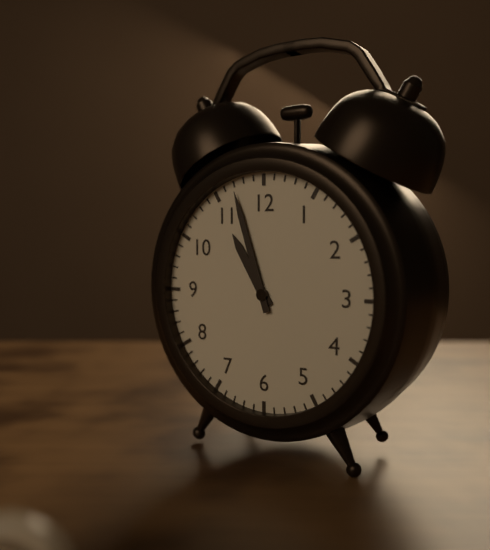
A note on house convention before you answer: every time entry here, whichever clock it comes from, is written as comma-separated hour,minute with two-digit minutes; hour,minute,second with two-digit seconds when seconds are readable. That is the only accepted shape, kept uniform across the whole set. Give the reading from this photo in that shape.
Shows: 10,57
